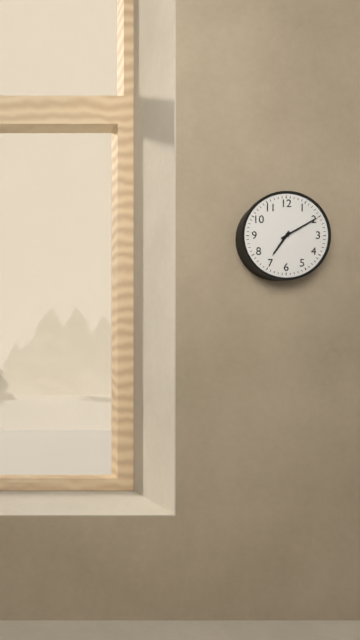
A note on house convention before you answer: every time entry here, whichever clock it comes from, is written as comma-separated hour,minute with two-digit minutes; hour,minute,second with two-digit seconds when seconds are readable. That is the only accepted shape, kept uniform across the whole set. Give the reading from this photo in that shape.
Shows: 7,10
